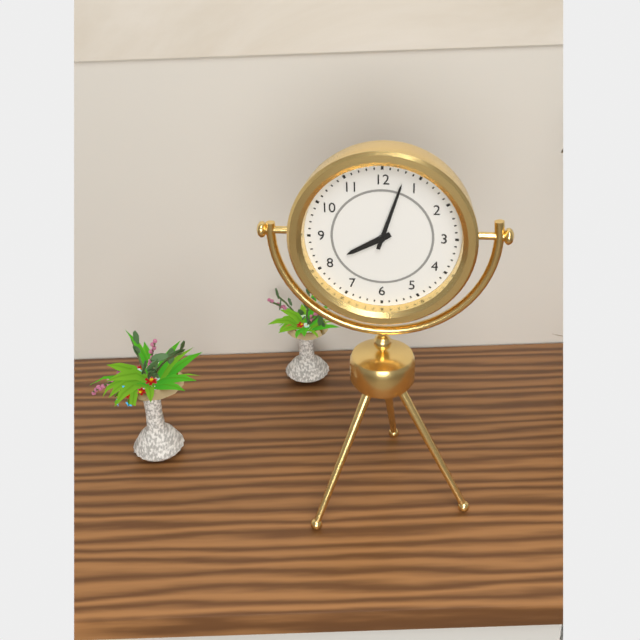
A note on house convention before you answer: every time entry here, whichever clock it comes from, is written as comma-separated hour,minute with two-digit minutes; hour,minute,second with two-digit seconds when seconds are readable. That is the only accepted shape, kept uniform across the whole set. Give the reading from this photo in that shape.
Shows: 8,03
